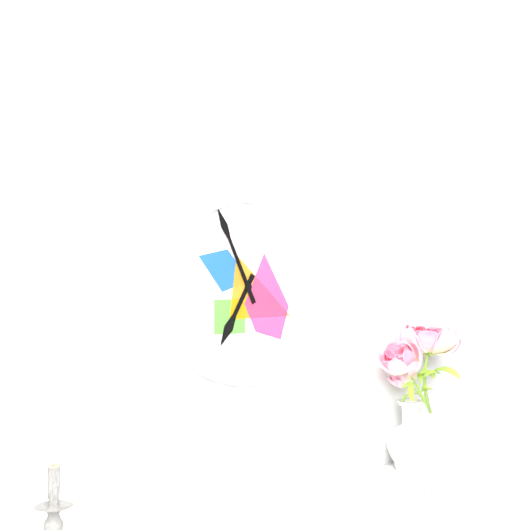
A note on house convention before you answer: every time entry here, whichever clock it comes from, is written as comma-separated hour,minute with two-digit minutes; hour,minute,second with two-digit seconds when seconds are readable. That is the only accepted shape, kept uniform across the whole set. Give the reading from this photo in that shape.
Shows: 6,56
